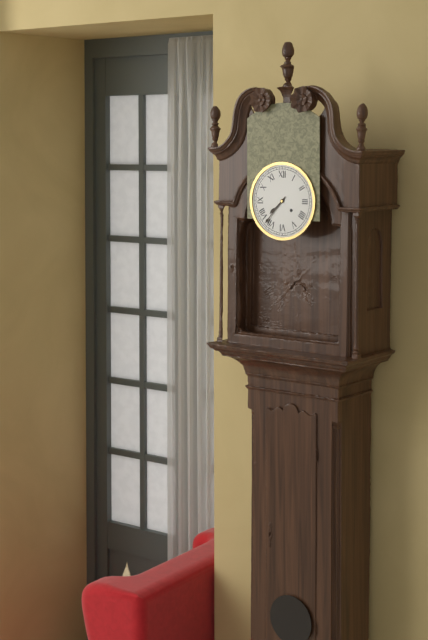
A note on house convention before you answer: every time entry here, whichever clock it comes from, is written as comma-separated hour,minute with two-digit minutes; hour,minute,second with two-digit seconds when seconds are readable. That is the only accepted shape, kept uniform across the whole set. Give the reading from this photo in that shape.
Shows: 7,37
